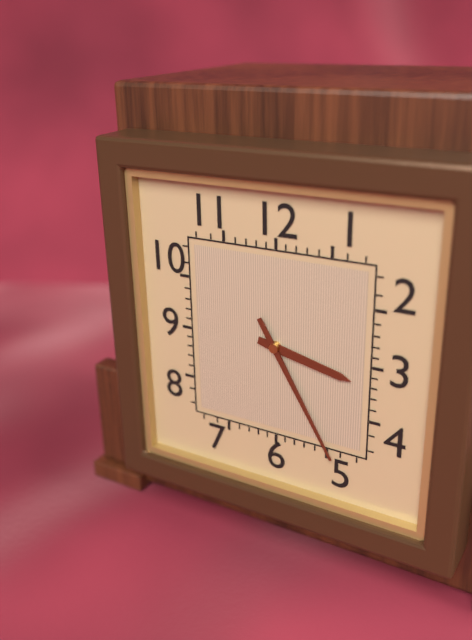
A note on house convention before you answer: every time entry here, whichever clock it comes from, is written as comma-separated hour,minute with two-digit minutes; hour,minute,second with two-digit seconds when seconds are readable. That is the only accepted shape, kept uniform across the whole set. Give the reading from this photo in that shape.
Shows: 3,25
